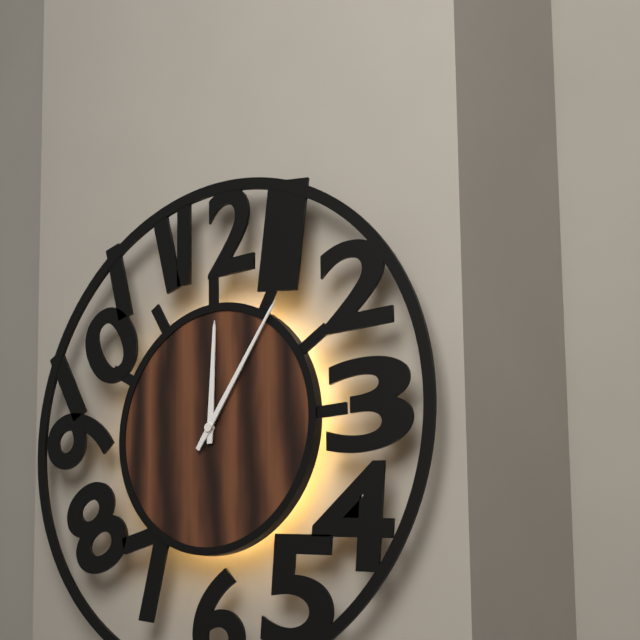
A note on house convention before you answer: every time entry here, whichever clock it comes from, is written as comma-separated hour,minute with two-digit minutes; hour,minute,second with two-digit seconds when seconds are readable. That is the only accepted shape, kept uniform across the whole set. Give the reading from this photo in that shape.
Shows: 12,06
